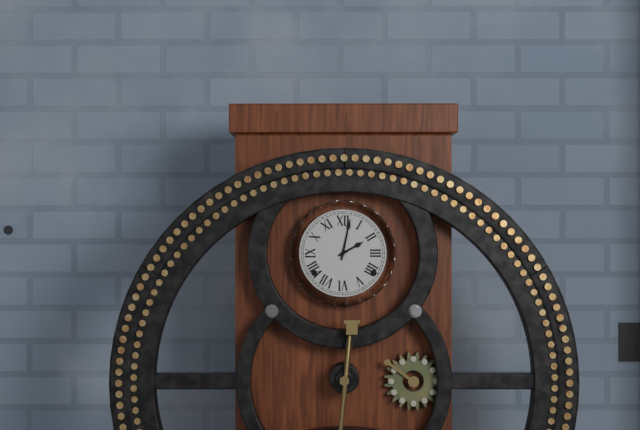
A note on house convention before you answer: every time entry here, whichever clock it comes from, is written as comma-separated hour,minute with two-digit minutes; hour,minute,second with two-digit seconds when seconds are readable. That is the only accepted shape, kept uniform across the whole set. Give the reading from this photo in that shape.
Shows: 2,02
